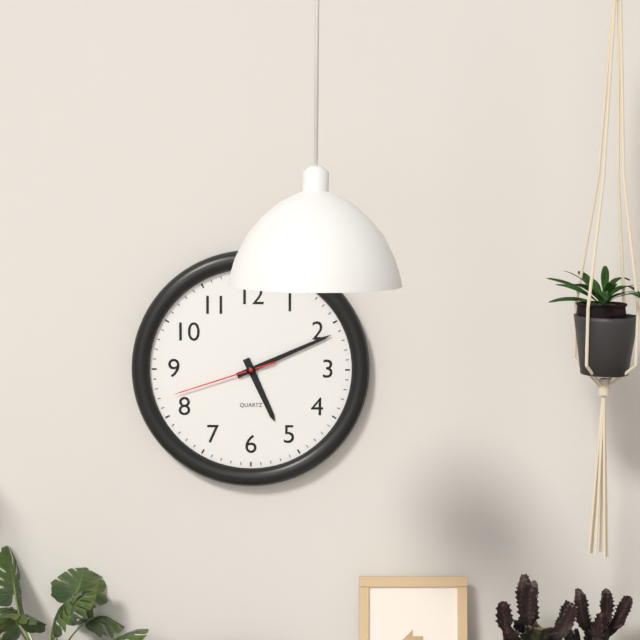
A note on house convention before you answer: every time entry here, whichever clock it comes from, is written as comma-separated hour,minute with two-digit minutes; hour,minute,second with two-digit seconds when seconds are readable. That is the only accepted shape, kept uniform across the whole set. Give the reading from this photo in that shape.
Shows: 5,11,42
